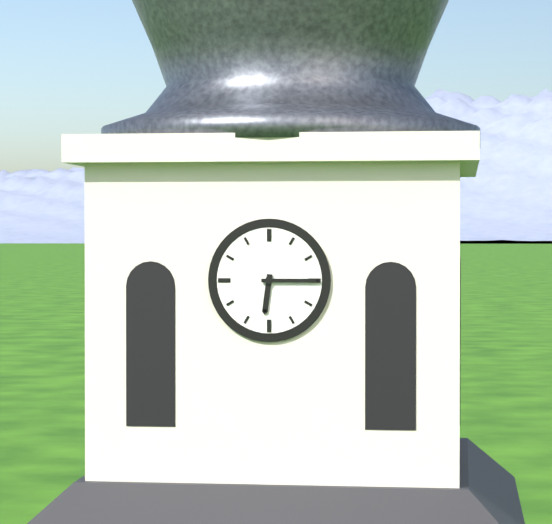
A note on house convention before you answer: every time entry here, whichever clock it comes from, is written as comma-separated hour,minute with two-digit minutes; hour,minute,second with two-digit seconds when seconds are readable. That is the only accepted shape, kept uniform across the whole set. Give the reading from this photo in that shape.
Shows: 6,15
